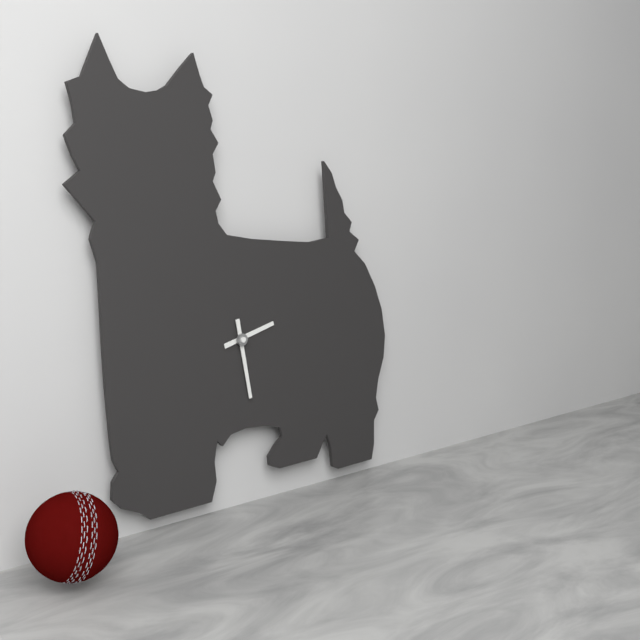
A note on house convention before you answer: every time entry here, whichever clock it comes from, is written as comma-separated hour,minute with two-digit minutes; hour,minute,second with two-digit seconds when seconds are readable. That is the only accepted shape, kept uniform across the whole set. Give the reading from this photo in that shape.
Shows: 2,28
